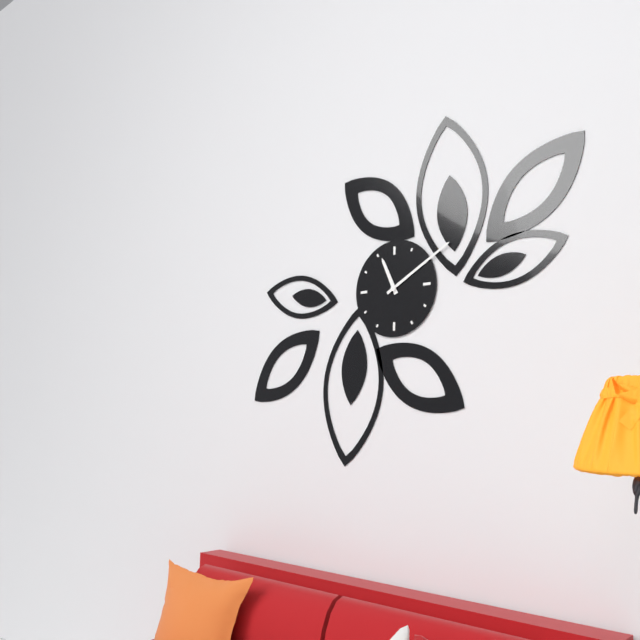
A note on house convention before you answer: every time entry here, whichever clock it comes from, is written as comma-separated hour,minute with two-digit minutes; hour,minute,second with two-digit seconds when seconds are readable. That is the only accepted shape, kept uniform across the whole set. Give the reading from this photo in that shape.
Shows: 11,10
